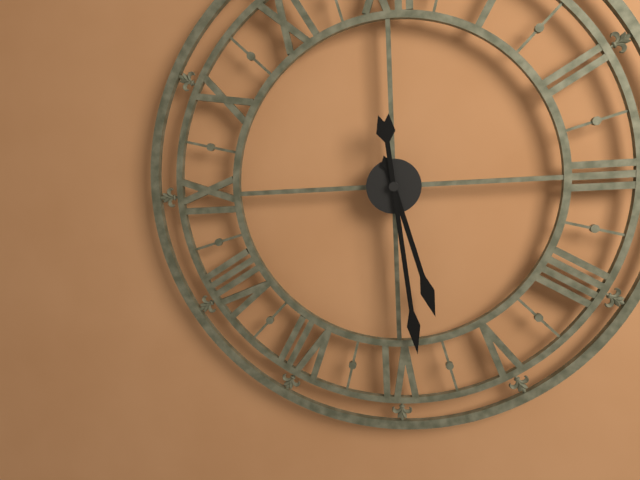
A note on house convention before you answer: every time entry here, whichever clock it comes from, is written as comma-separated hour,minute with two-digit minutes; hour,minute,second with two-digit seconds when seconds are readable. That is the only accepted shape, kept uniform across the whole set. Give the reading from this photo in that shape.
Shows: 5,29
